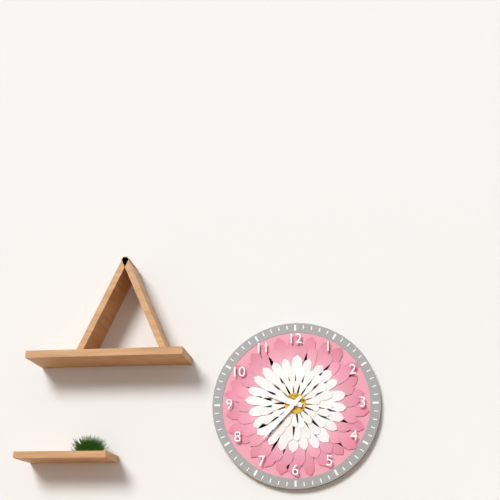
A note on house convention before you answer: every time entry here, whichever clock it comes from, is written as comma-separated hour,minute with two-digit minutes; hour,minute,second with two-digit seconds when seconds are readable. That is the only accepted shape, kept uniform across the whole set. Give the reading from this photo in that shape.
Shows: 9,37
